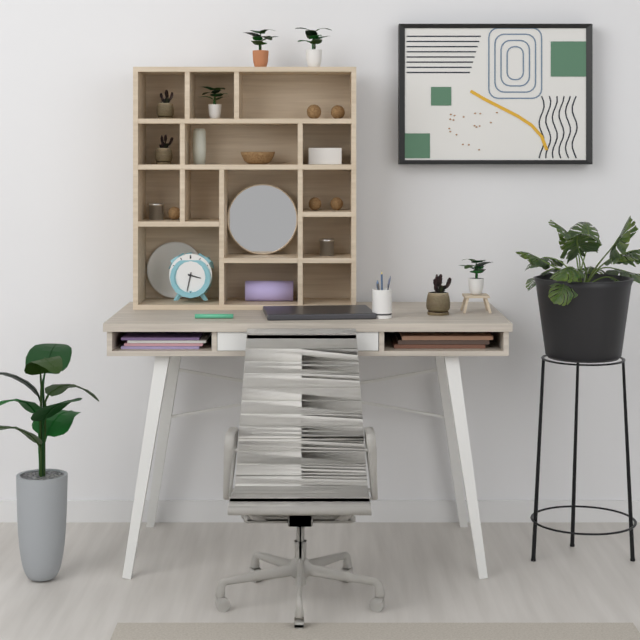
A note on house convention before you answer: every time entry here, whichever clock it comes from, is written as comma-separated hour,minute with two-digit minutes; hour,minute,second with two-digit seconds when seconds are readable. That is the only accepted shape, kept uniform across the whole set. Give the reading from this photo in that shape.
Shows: 3,32
